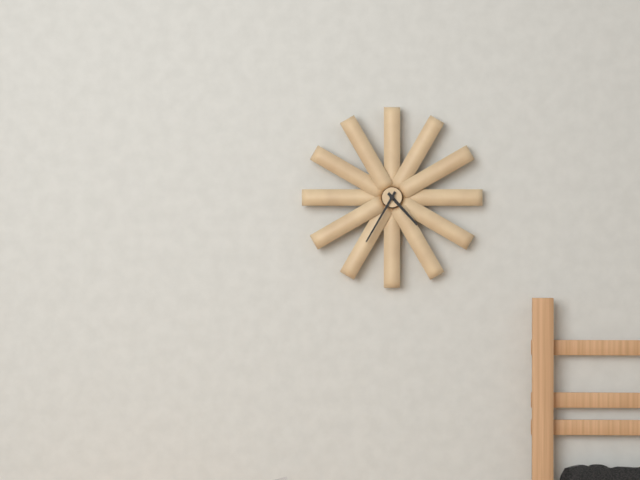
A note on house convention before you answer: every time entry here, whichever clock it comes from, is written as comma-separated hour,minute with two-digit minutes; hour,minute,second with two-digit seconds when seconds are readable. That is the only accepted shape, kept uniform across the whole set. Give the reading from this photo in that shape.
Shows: 4,35
